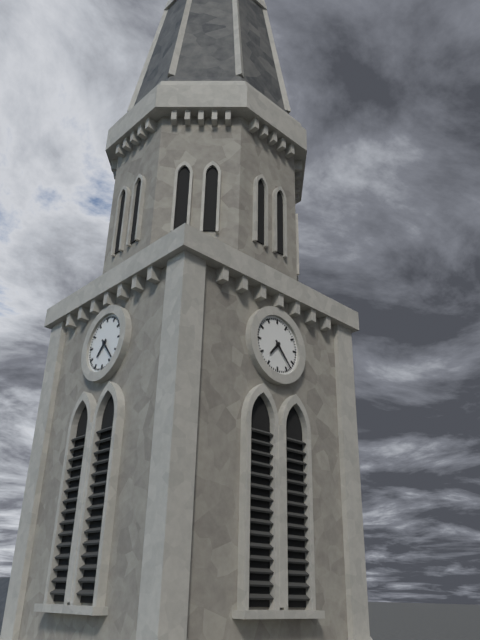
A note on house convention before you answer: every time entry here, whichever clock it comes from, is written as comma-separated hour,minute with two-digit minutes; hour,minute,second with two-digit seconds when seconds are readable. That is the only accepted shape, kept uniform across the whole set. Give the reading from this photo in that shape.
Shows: 7,23
